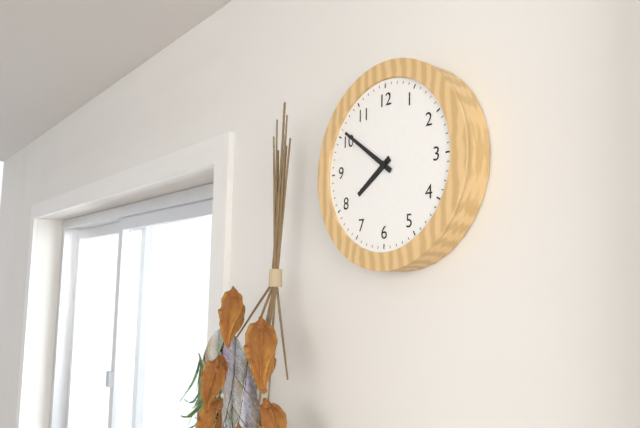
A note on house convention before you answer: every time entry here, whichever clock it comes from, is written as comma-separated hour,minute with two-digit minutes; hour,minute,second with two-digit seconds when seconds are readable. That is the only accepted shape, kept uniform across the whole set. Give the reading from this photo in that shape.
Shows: 7,51
